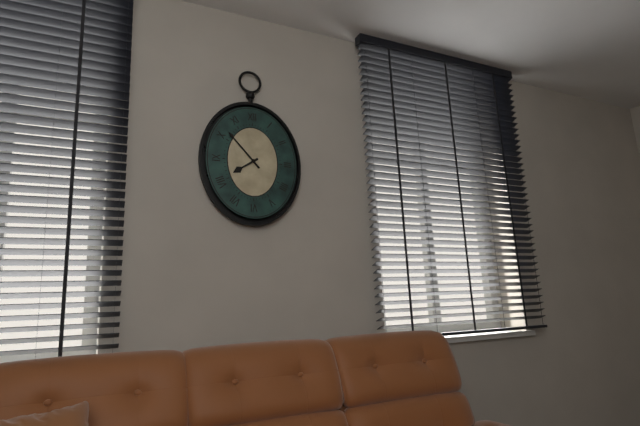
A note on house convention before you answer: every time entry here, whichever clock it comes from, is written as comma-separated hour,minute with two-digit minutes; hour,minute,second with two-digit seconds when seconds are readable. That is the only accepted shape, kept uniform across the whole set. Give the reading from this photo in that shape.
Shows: 7,53
